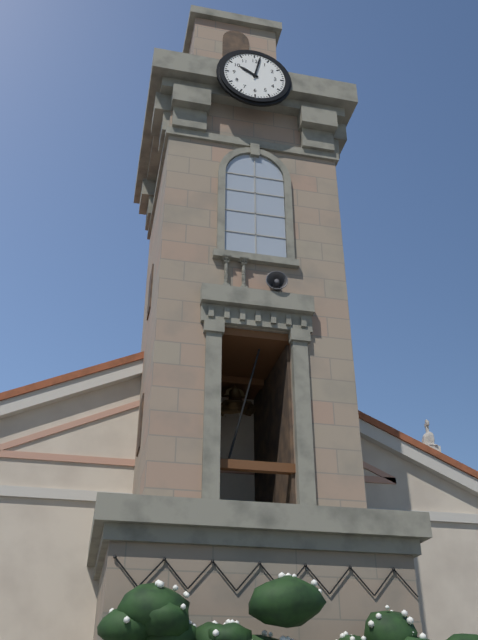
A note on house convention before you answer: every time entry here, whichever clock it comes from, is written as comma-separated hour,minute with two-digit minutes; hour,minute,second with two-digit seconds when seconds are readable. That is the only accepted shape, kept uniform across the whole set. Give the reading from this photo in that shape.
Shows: 10,02
